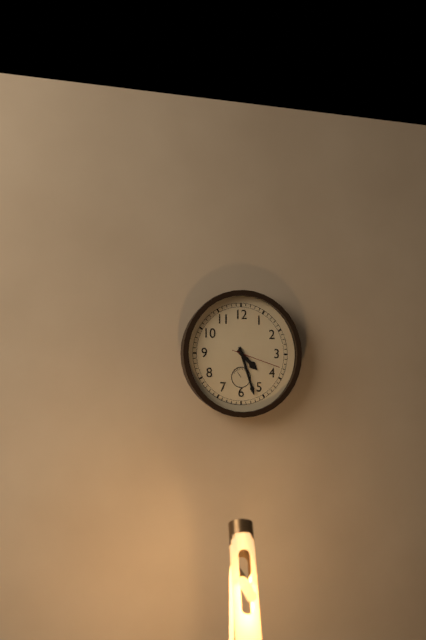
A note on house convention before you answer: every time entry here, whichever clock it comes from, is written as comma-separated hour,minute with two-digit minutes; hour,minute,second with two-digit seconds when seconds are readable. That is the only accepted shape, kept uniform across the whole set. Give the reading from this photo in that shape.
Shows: 4,27,18
